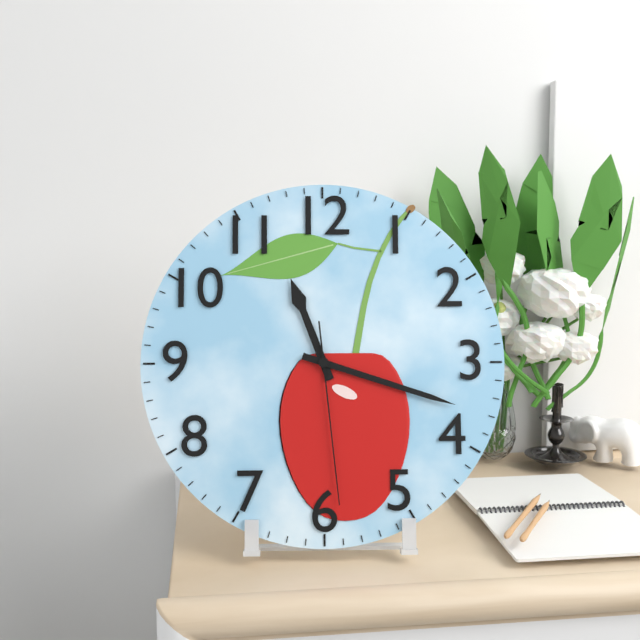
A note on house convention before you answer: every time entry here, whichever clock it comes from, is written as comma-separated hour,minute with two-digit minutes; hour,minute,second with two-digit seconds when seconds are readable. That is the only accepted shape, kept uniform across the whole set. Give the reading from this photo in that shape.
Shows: 11,18,29
